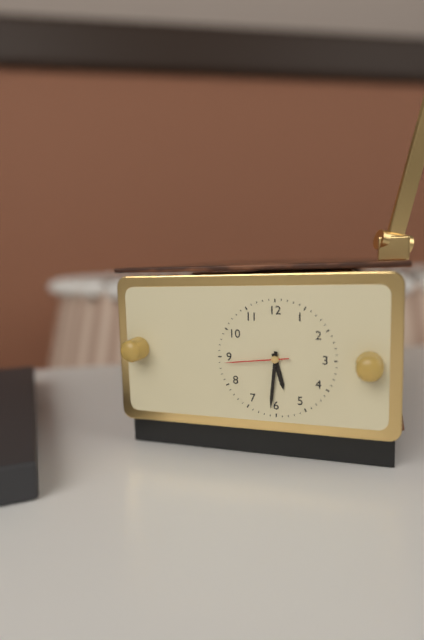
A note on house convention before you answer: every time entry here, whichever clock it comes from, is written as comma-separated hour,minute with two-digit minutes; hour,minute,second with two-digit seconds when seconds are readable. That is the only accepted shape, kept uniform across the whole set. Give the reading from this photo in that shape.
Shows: 5,31,44
